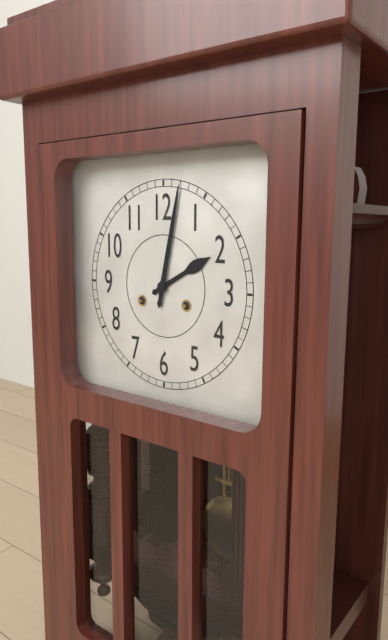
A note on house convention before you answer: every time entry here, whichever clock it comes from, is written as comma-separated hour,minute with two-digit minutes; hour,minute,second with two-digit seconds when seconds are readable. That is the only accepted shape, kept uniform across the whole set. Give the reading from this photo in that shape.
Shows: 2,02
